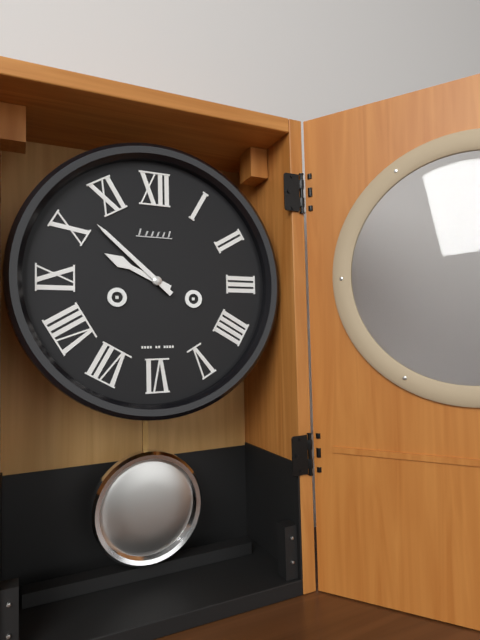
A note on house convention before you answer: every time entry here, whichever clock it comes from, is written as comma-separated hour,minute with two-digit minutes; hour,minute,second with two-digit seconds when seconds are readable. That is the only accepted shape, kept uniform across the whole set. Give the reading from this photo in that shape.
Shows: 9,52
